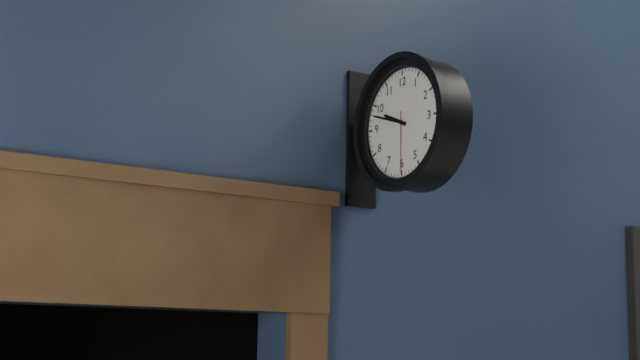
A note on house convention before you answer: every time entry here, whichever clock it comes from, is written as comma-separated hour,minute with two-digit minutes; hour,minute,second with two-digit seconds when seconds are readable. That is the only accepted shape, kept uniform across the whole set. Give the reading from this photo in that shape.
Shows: 9,48,30
